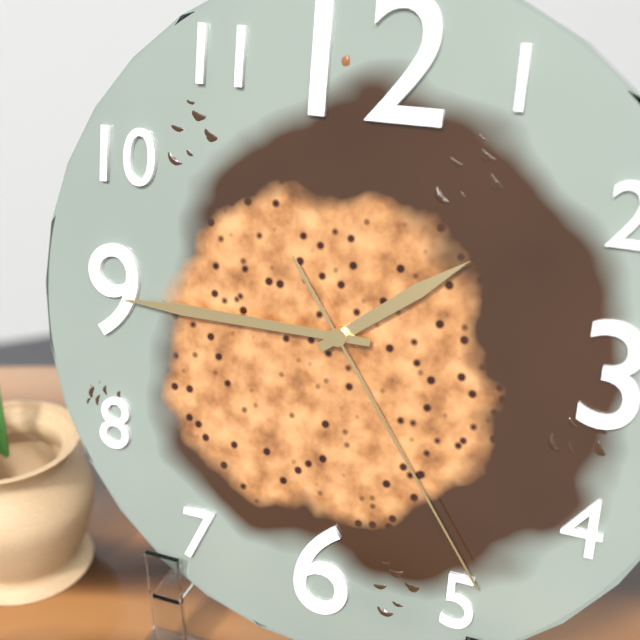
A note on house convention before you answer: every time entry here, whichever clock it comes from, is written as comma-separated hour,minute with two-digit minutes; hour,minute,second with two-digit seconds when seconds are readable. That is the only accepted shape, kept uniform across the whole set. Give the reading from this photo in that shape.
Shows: 1,45,24
